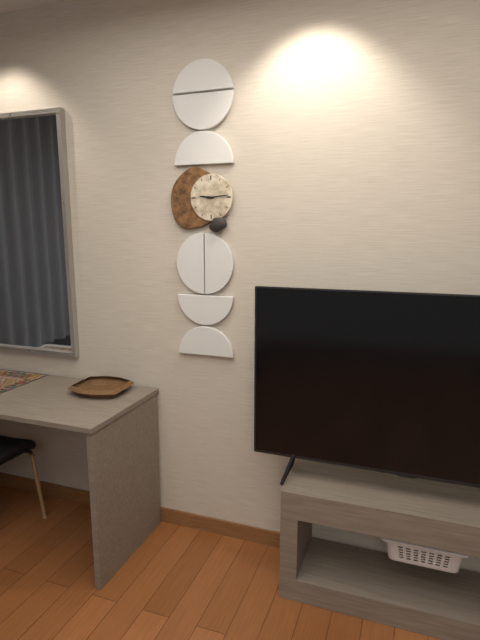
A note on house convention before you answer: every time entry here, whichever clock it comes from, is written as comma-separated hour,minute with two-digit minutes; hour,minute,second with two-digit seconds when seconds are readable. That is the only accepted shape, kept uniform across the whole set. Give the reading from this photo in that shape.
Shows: 9,14
